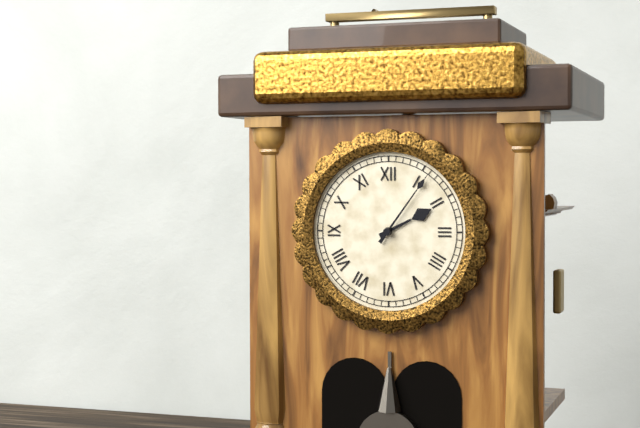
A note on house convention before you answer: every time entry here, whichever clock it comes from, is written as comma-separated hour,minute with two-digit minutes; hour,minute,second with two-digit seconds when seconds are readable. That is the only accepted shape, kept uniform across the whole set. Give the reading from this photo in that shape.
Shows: 2,06
